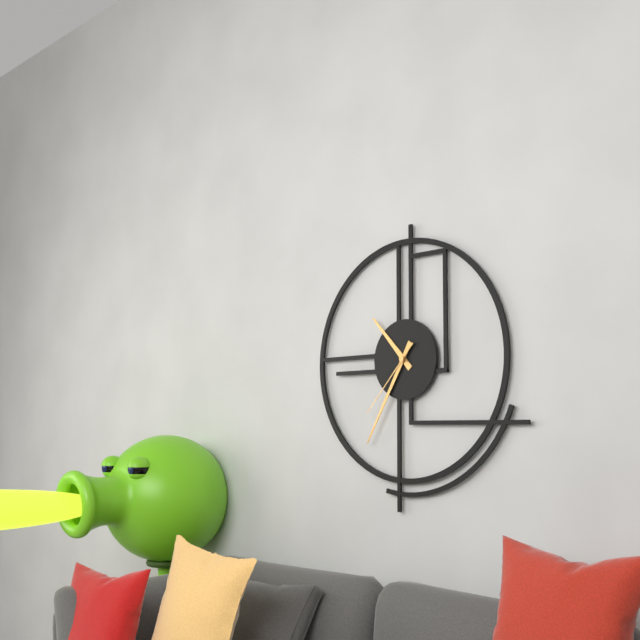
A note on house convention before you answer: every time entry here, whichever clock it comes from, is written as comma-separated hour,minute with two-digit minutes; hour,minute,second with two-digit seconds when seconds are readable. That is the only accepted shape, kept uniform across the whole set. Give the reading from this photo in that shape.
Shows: 10,35,37
